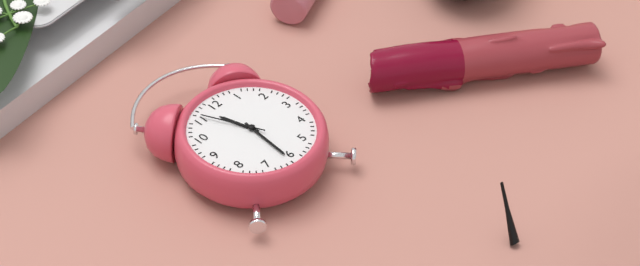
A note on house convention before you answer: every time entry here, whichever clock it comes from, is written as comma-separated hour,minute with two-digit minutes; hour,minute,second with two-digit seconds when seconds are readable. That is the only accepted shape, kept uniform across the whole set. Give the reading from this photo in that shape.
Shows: 11,31,56
